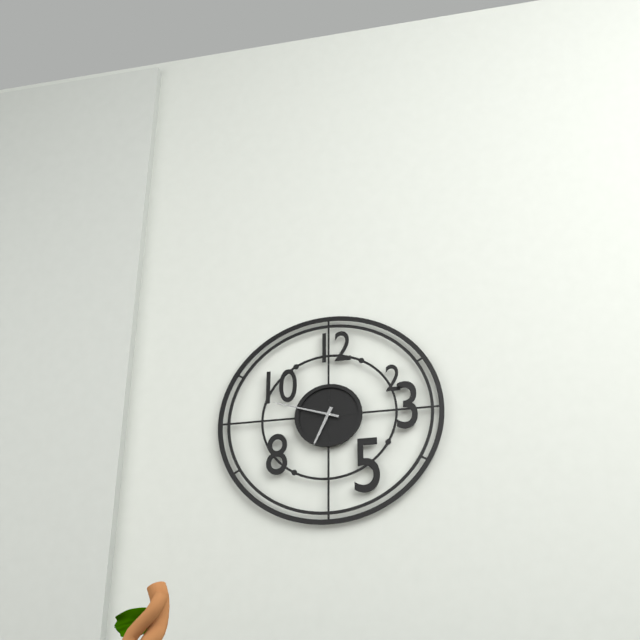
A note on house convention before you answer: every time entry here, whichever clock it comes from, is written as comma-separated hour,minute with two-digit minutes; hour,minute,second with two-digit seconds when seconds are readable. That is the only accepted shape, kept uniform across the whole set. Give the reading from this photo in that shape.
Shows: 6,48
